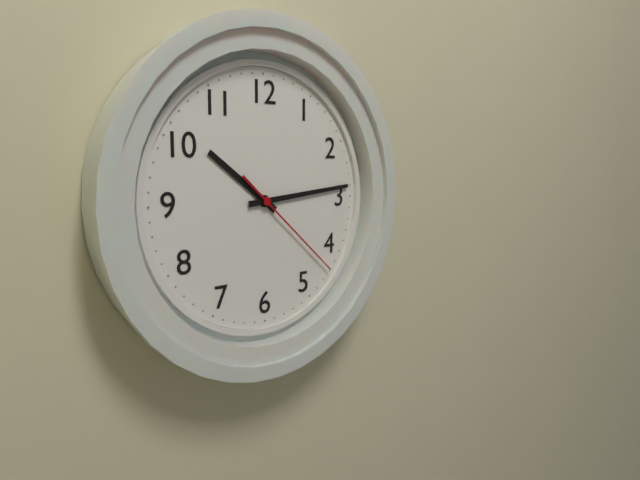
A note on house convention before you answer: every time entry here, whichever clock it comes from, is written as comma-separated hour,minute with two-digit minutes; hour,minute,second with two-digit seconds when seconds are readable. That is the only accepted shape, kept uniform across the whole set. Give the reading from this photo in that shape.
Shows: 10,14,22
